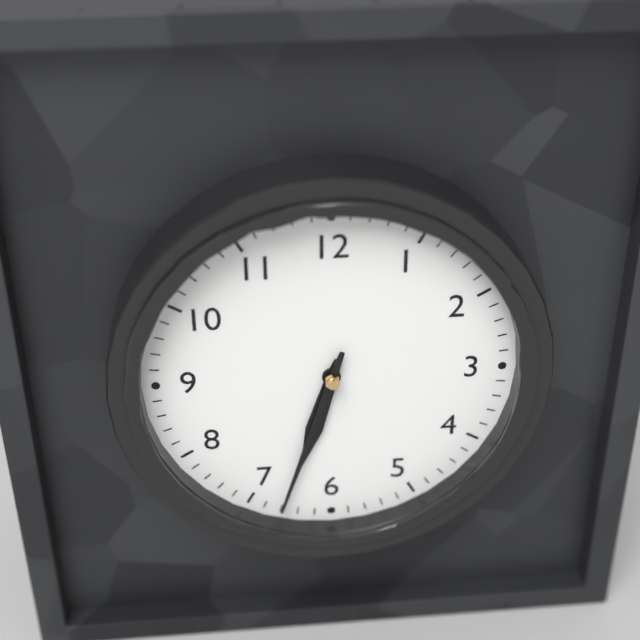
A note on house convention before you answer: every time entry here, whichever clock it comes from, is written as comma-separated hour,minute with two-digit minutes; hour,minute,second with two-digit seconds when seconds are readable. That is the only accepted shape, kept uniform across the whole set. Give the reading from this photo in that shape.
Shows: 6,33
